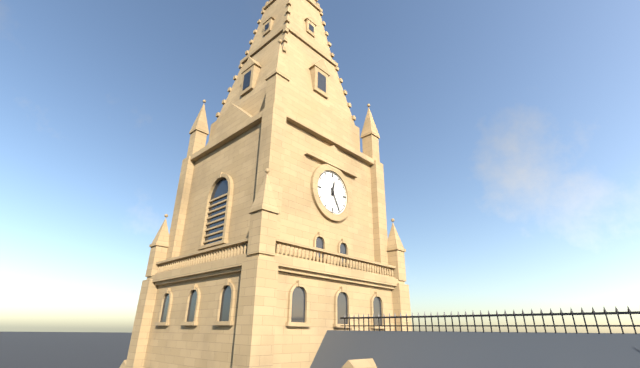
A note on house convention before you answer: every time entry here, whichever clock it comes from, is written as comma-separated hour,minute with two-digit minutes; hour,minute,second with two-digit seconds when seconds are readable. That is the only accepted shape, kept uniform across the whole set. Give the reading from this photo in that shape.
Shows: 12,25
